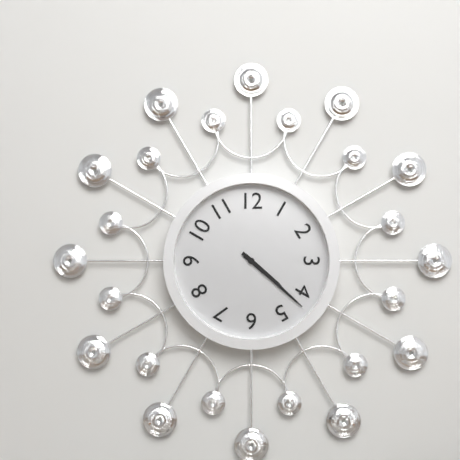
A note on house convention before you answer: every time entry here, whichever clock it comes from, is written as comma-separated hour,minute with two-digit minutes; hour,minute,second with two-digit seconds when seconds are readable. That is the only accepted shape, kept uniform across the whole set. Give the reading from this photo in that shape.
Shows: 4,22
